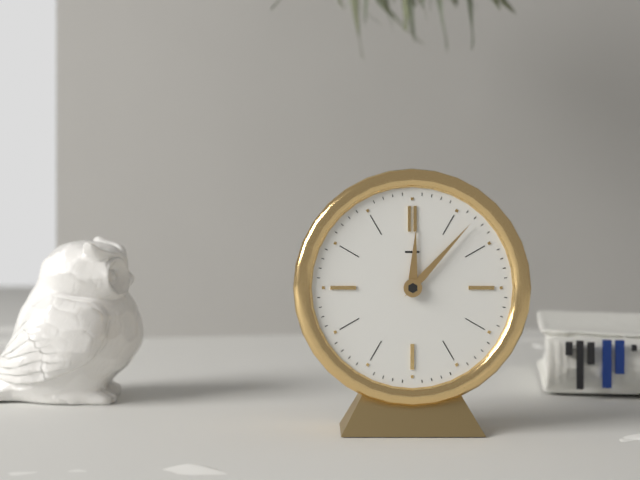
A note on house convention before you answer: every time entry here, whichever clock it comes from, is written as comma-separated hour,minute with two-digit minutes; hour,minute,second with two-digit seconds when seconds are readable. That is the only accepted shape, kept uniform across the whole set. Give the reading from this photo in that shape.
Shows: 12,07
